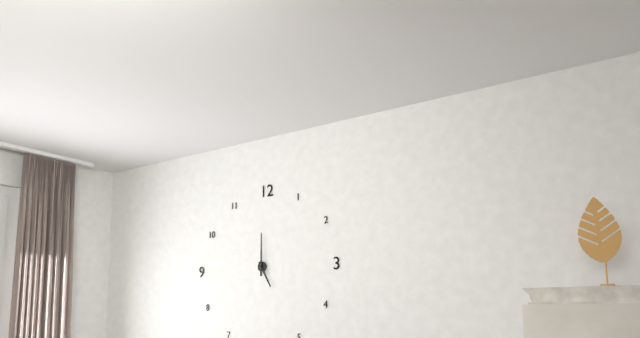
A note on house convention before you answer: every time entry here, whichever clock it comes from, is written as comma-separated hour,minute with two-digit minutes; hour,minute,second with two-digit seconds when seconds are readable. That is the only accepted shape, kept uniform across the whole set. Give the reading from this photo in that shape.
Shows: 5,00
